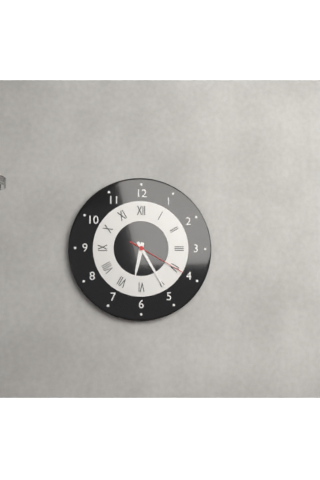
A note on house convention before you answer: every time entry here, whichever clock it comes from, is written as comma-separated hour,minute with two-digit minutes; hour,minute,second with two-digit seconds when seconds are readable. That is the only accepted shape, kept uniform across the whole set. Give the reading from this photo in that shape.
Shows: 6,25,20
